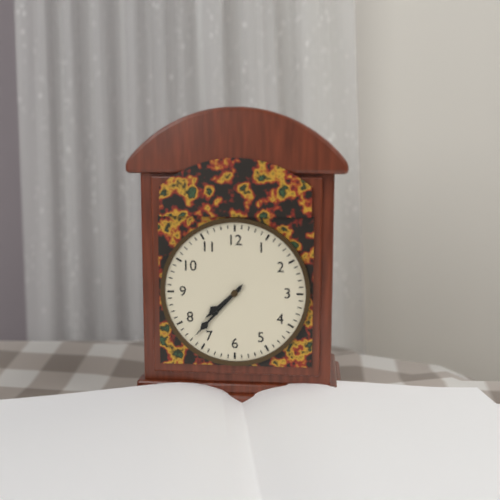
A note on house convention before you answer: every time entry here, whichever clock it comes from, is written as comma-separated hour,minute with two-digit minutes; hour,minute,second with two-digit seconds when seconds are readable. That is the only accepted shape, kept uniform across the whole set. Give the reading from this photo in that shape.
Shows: 7,37
